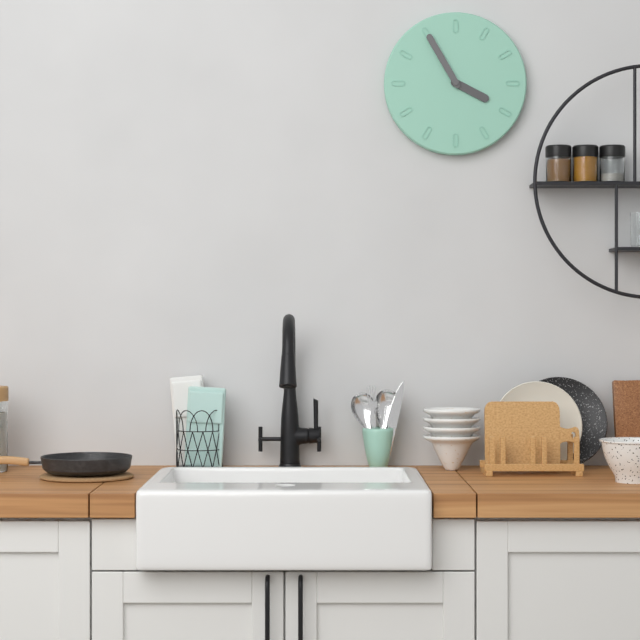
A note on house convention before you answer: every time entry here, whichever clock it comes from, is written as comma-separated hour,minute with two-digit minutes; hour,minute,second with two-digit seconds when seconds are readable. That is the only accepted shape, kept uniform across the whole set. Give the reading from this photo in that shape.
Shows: 3,55
